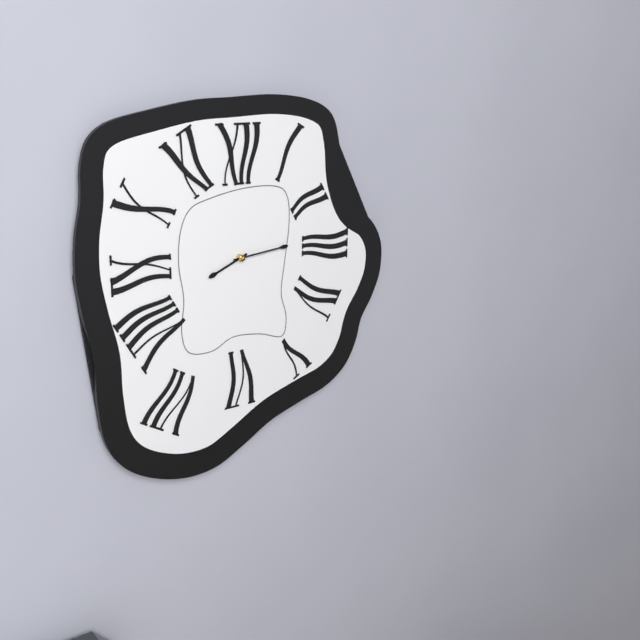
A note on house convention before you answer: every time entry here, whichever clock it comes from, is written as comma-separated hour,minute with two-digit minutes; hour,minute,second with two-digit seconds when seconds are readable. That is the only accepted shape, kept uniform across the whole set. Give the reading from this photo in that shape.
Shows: 8,14
